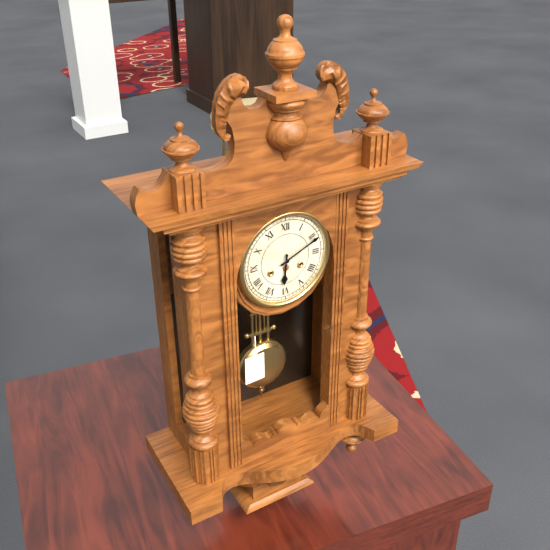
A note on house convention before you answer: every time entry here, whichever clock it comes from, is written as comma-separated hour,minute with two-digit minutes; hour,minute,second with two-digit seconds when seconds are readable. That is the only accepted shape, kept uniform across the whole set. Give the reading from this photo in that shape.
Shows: 6,11
